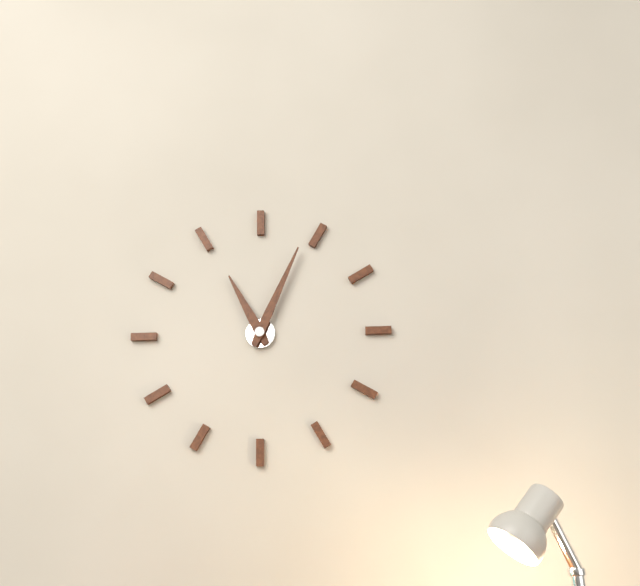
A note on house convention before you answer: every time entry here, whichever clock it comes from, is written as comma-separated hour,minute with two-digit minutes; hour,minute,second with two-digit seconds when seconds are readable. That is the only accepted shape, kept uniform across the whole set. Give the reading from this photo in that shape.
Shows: 11,04
